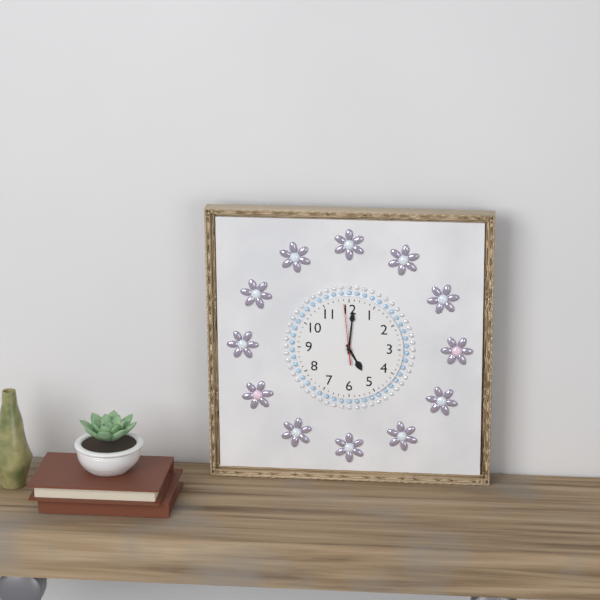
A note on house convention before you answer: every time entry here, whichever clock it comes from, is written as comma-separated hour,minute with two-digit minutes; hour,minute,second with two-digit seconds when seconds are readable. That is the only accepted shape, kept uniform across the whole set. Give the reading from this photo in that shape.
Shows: 5,01,59
